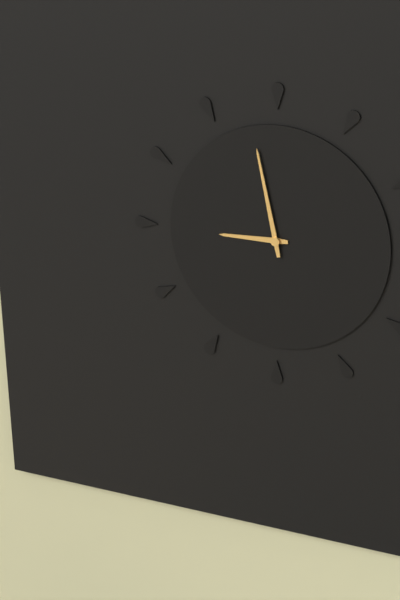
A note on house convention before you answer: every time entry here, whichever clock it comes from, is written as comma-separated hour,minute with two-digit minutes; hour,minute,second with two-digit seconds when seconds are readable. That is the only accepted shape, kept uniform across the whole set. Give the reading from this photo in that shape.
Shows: 8,58
